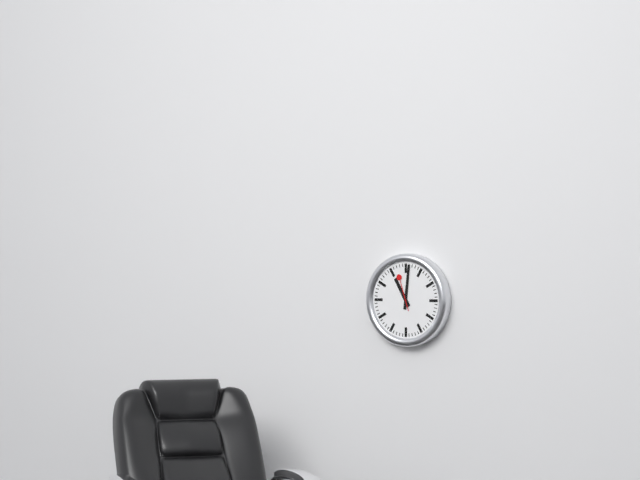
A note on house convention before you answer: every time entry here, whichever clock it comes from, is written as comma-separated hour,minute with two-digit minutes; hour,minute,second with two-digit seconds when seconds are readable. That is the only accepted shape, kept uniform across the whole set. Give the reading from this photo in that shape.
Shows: 11,01
